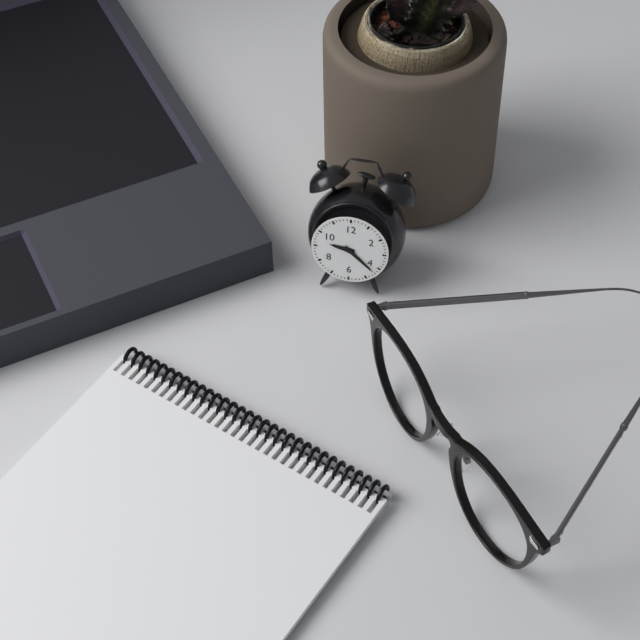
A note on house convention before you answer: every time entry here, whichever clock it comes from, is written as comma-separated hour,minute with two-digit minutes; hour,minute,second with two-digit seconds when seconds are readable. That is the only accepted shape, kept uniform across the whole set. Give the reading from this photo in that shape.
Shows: 9,22
